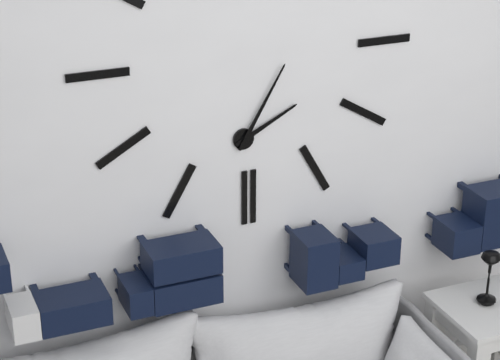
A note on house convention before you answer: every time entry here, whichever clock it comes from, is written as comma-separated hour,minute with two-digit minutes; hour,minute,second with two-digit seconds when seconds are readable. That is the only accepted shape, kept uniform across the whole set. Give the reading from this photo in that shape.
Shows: 2,05
